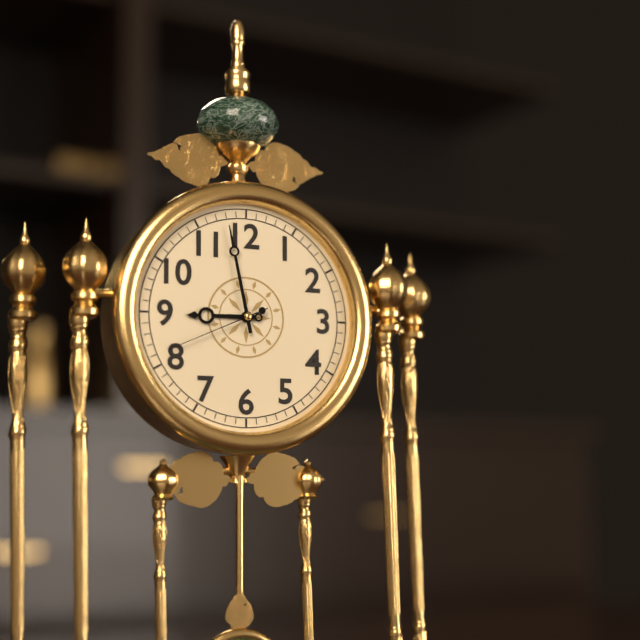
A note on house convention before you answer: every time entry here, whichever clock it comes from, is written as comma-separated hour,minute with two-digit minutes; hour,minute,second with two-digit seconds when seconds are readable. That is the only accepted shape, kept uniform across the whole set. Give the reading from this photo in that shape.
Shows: 8,58,41
